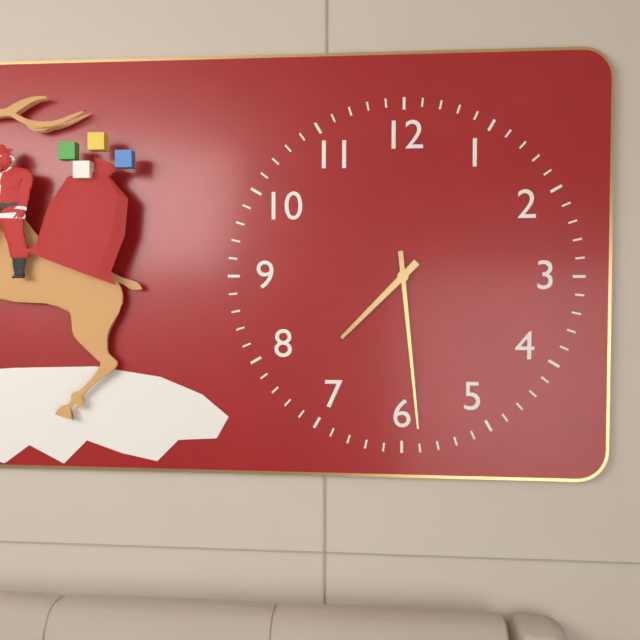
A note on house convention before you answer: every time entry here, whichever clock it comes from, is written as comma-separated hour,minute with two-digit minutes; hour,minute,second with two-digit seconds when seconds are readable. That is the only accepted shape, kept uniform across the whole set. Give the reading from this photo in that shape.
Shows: 7,29
